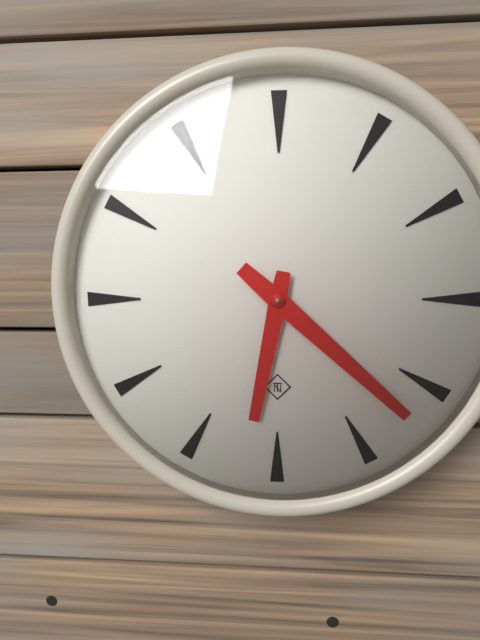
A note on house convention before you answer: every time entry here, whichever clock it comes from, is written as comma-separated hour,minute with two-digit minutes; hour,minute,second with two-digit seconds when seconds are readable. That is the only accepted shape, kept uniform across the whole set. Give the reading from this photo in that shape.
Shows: 6,22
